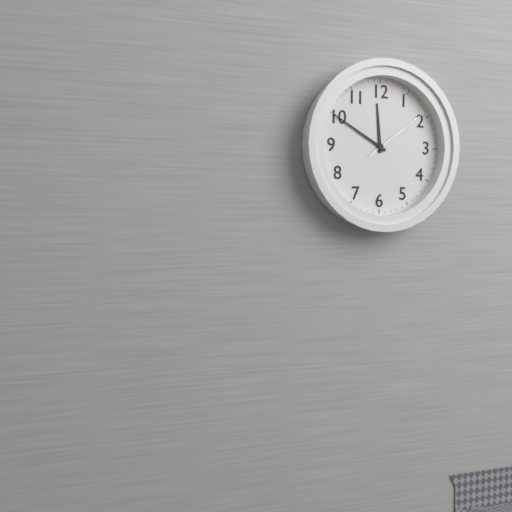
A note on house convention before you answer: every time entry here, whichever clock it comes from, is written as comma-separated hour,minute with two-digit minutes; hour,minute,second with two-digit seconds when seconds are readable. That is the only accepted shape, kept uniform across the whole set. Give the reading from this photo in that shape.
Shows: 11,50,09
